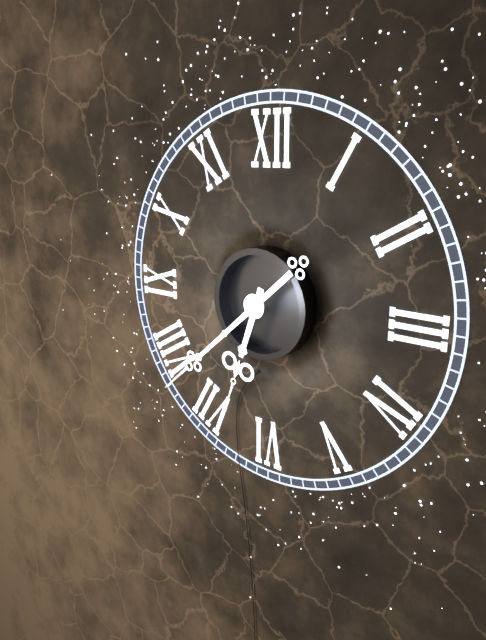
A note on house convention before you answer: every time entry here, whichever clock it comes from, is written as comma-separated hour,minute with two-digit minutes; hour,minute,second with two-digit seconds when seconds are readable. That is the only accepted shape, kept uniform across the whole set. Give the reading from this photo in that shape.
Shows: 6,38
